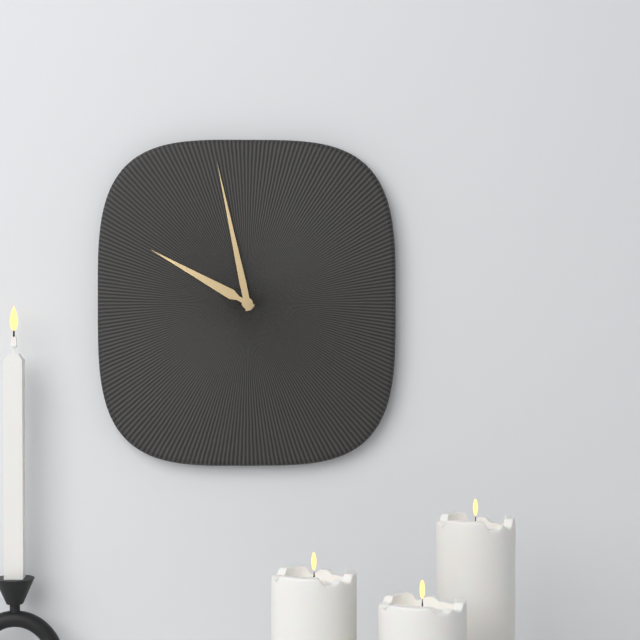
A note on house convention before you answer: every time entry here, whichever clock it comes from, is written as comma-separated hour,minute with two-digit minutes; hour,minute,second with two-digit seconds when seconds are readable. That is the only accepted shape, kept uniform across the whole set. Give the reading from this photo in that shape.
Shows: 9,58
